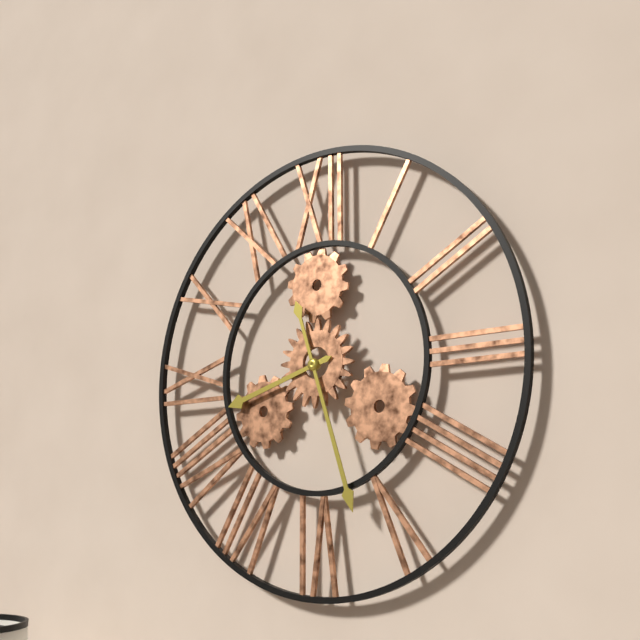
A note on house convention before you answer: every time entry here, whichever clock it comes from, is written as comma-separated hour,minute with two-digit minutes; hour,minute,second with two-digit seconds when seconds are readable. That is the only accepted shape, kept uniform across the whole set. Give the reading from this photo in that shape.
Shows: 8,27
